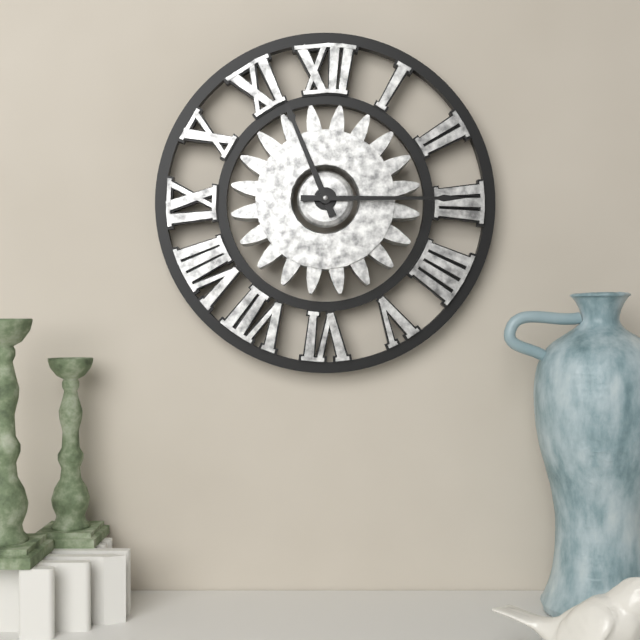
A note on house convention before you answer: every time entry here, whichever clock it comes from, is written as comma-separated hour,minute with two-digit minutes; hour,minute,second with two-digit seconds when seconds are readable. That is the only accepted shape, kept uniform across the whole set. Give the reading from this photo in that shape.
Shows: 11,15
